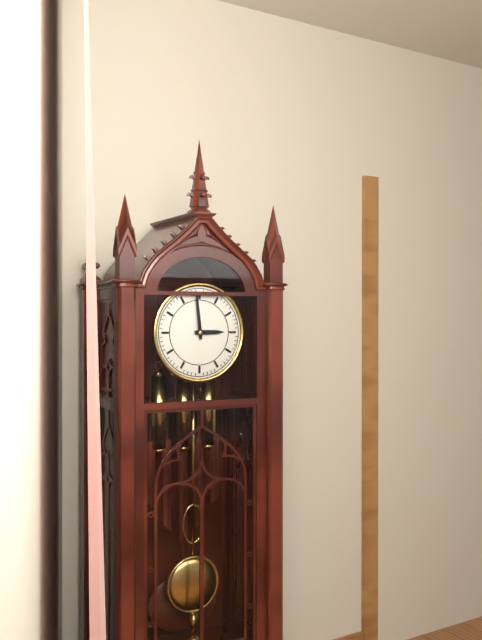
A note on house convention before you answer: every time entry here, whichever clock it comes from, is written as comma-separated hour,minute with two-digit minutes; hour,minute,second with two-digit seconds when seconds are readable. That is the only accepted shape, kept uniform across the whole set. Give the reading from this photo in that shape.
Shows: 2,59
